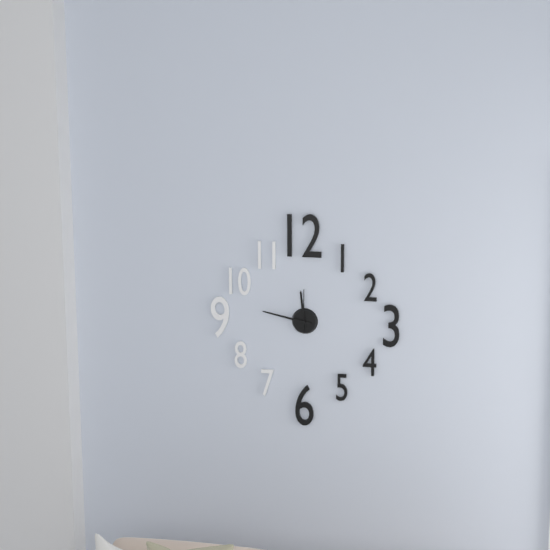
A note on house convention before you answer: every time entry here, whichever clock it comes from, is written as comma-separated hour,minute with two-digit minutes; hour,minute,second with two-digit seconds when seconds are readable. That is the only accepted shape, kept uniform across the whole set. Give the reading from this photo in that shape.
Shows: 11,47
